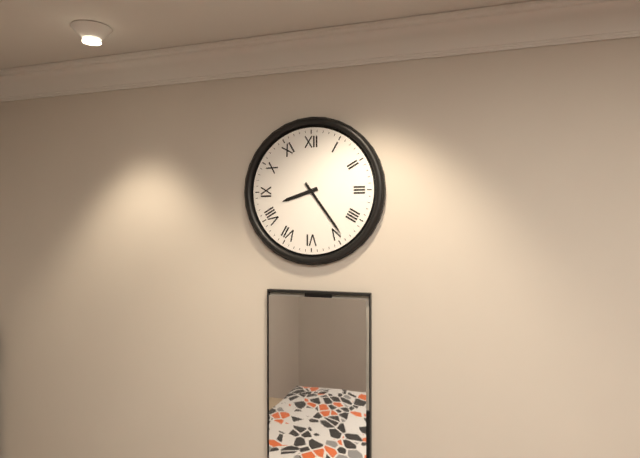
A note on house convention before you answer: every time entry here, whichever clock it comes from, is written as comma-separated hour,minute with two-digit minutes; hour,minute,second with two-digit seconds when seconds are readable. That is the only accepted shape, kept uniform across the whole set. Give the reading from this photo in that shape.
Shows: 8,24
